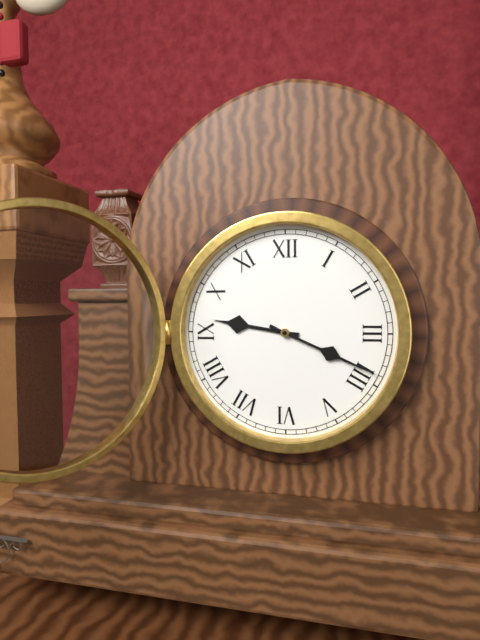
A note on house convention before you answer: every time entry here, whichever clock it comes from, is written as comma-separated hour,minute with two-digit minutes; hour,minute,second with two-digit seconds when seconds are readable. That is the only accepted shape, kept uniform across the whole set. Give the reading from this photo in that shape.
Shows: 9,19
